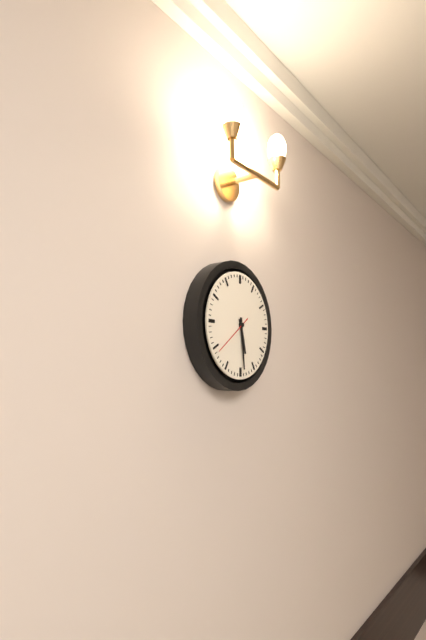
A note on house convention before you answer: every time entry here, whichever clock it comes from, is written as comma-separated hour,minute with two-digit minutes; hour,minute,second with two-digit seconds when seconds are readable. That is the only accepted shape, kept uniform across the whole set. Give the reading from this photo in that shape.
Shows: 5,29
